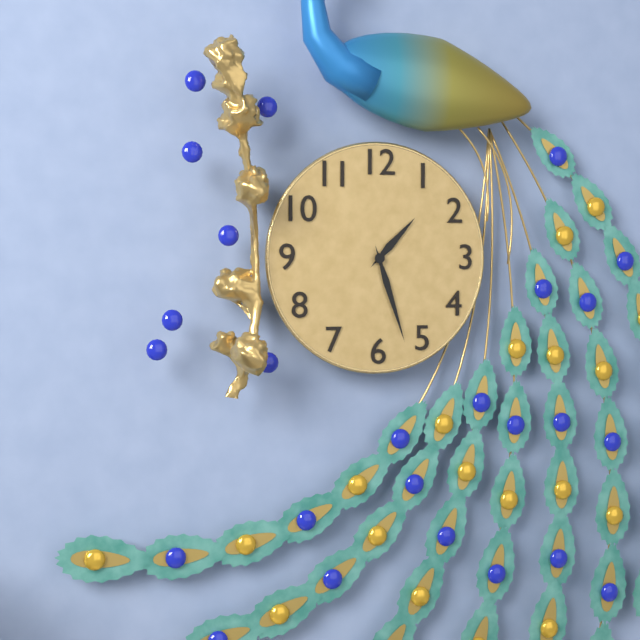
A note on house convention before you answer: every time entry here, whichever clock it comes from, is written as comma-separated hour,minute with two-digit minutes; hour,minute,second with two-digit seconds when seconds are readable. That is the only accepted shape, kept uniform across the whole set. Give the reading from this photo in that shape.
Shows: 1,27
